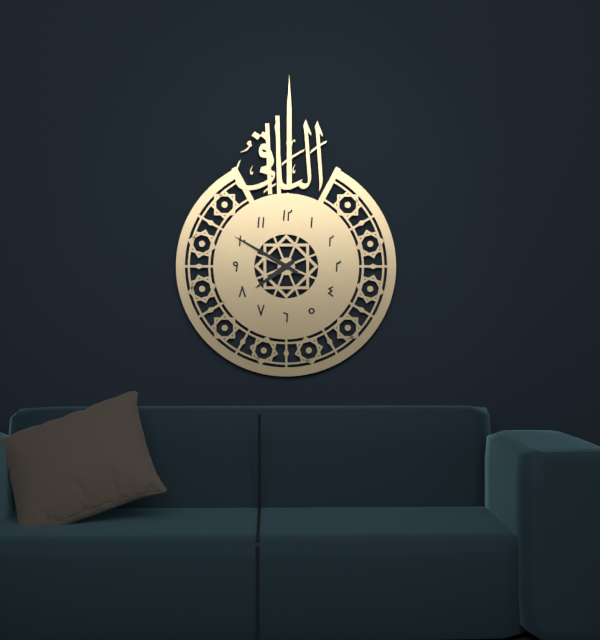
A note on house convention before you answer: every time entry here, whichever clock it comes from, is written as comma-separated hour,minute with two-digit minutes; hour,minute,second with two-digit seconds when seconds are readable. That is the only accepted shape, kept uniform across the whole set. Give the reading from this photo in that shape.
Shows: 7,50
